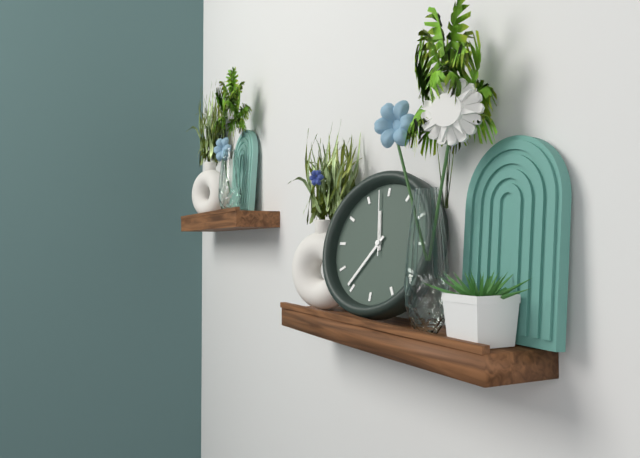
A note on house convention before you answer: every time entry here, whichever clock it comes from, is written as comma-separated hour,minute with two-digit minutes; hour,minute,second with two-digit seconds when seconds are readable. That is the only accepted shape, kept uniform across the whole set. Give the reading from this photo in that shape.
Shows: 11,36,58
